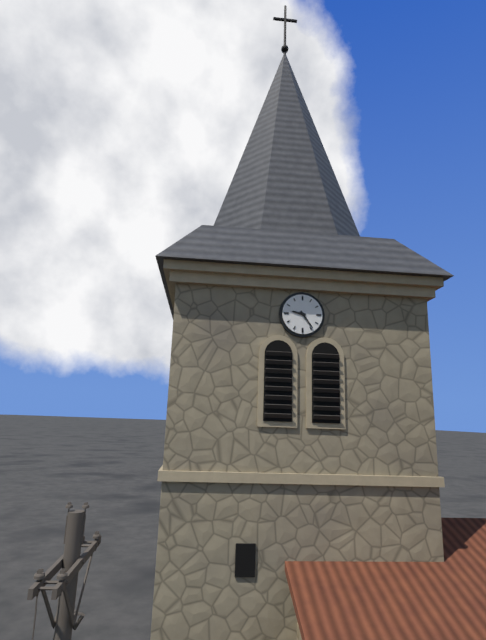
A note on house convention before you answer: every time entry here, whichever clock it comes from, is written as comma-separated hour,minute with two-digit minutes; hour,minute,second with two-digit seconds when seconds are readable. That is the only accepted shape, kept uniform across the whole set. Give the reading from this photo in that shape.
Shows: 9,24
